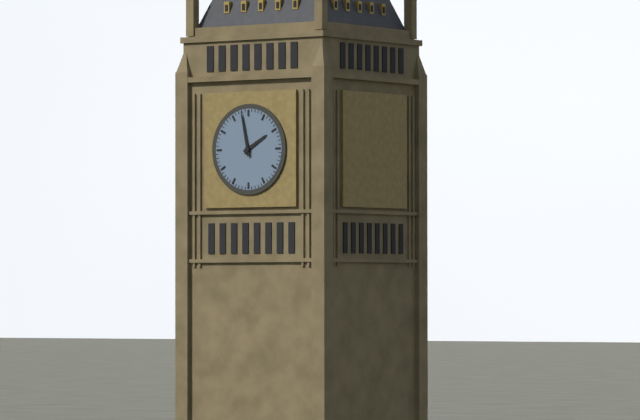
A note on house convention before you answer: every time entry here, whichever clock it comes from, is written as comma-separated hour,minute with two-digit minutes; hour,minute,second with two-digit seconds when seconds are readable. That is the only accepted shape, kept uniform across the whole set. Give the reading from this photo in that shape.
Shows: 1,58
